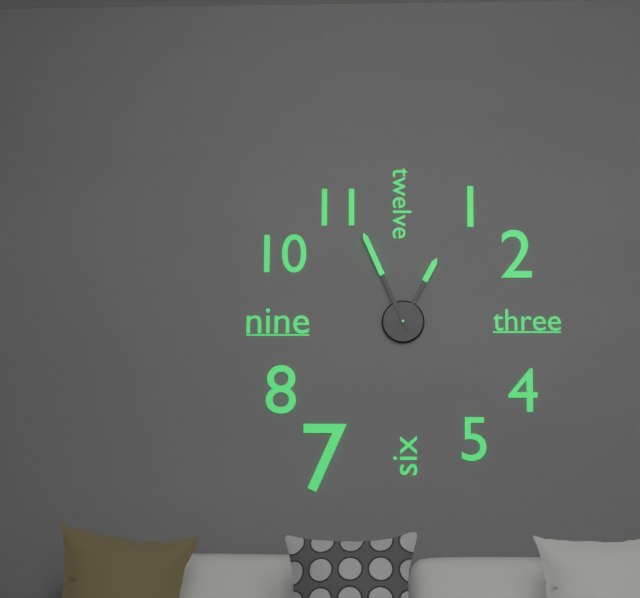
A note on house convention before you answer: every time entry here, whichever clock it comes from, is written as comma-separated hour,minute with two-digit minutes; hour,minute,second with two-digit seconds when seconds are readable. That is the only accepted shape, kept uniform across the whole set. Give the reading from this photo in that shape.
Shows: 12,56
